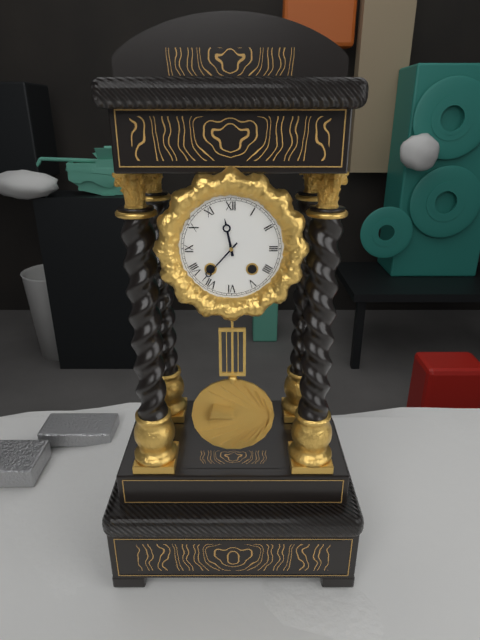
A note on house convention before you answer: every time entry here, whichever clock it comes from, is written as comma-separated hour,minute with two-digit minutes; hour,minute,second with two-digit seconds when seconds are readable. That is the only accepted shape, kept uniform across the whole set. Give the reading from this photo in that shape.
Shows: 11,37
